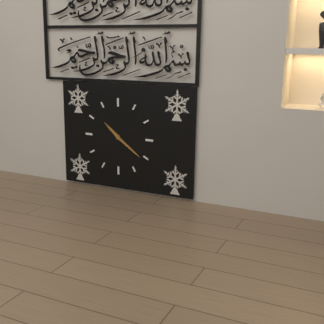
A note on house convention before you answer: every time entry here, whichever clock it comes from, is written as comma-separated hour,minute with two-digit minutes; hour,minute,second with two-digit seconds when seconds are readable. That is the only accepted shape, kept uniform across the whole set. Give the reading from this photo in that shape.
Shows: 10,21
